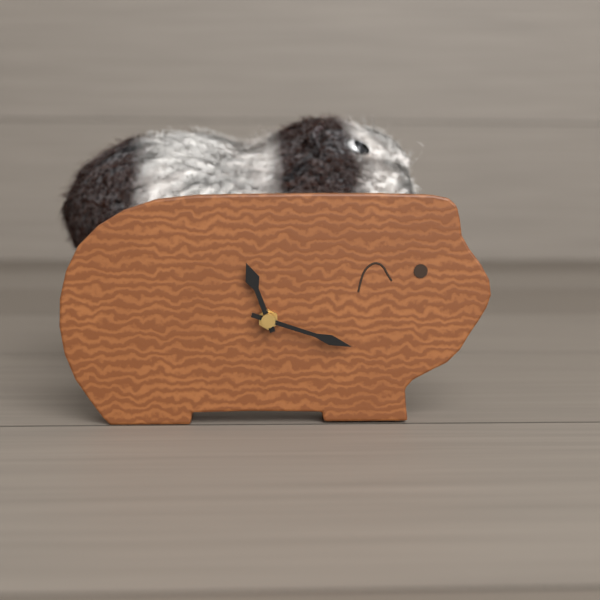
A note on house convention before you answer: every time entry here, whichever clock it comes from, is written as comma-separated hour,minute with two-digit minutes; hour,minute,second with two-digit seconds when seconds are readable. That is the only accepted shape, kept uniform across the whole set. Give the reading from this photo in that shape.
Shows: 11,18
